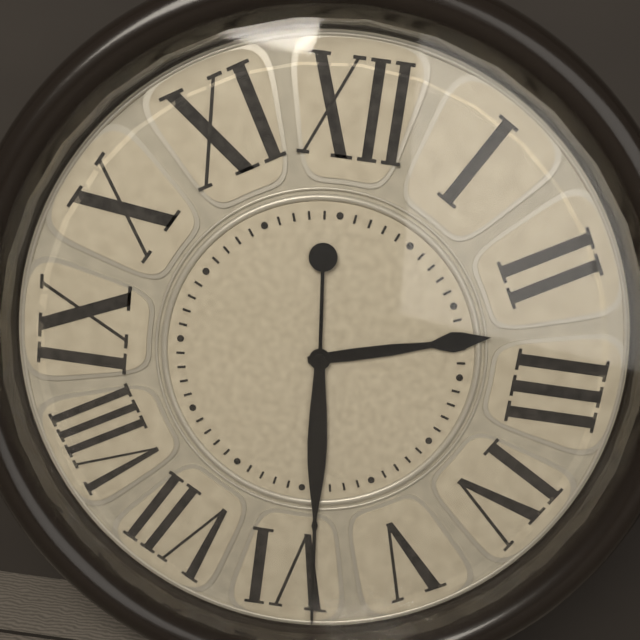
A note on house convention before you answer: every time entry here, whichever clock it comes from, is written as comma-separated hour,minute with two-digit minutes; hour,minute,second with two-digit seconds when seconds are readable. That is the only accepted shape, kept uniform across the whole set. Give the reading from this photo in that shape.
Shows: 2,29
